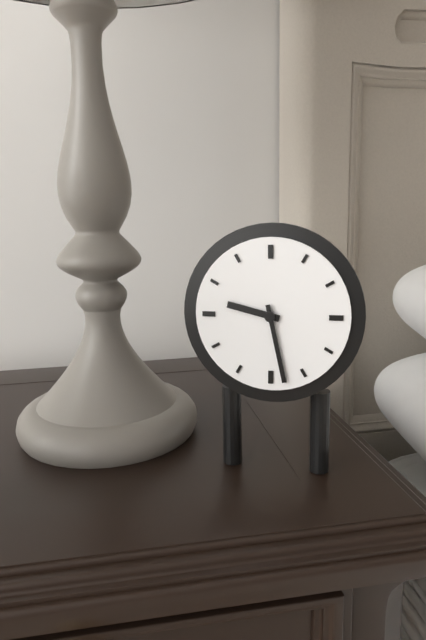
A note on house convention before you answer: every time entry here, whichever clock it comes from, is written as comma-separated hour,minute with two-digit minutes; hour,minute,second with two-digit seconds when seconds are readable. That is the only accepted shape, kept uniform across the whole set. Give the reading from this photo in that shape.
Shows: 9,28
